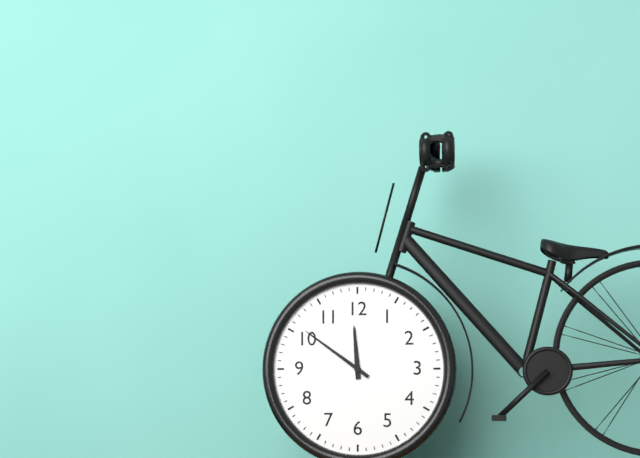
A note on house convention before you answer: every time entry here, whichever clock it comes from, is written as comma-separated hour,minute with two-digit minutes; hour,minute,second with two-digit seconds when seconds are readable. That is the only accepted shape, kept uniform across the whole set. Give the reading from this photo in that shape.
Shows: 11,51
